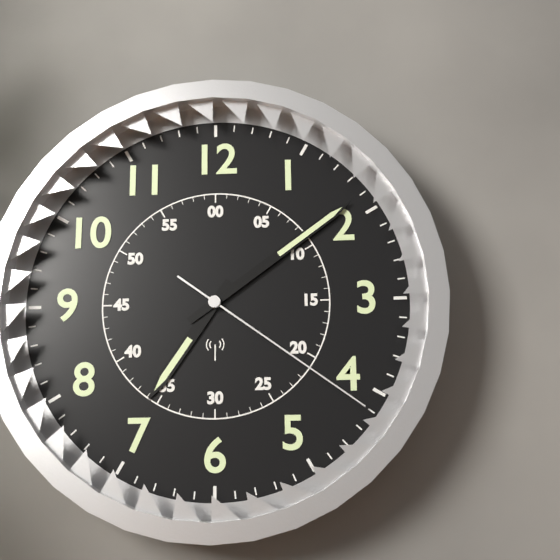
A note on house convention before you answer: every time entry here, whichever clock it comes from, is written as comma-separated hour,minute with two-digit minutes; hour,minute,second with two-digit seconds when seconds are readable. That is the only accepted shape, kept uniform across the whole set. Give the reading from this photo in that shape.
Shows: 7,09,21
